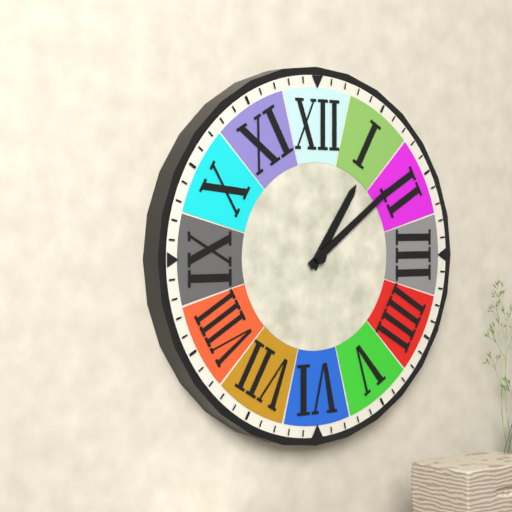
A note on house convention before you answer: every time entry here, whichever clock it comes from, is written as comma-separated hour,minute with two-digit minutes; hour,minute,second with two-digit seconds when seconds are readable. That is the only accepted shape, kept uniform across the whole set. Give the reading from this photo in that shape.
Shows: 1,09
